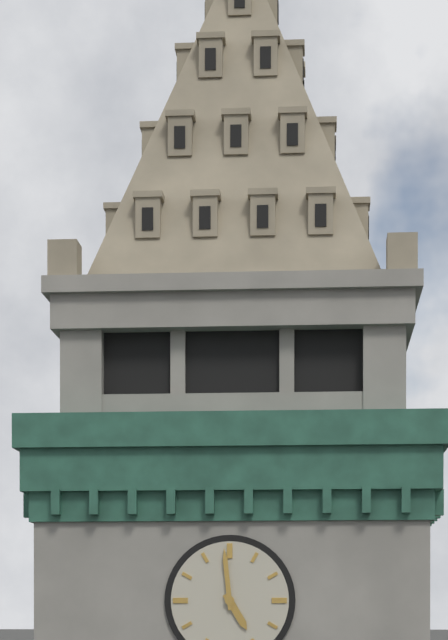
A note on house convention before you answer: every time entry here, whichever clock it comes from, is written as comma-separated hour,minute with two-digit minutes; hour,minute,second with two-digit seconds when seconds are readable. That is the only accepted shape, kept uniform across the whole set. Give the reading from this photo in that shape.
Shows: 4,59
